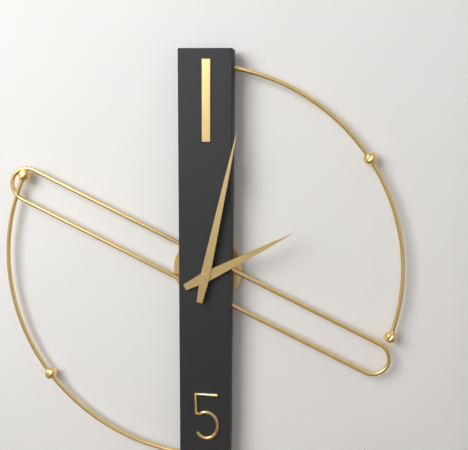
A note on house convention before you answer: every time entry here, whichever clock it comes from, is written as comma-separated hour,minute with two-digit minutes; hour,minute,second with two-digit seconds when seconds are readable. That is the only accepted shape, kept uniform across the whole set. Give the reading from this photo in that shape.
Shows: 2,02
